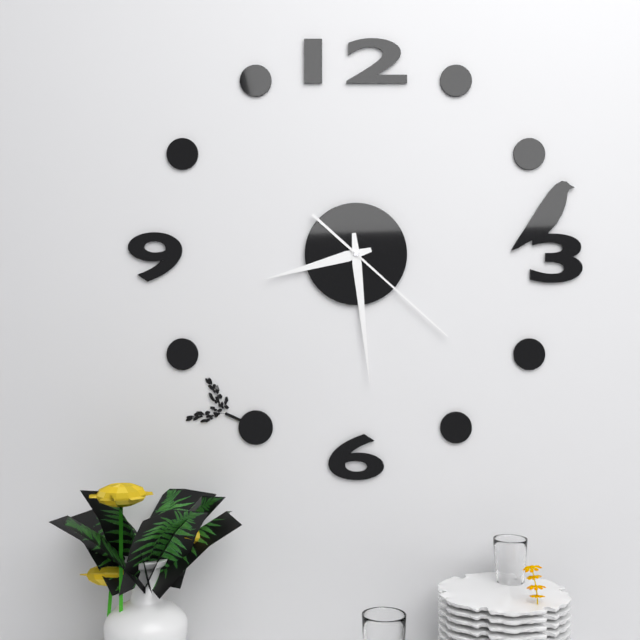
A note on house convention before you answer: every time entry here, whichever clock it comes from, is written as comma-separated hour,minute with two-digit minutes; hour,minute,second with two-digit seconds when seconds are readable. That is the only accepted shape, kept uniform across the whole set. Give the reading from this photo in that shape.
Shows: 8,29,22
